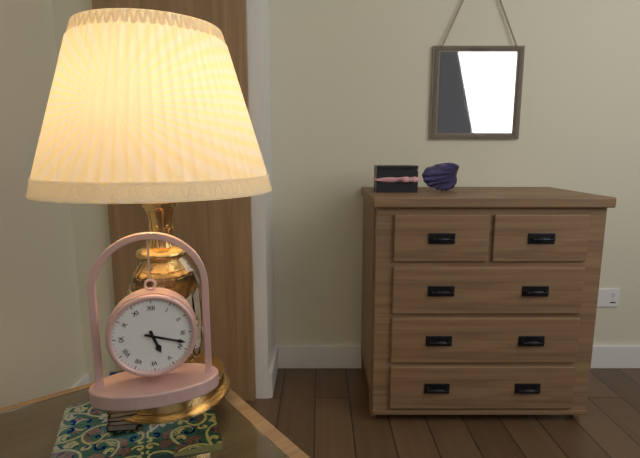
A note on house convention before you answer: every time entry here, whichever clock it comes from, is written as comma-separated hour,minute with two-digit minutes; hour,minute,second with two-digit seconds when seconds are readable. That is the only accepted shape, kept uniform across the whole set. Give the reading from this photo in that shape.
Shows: 5,18
